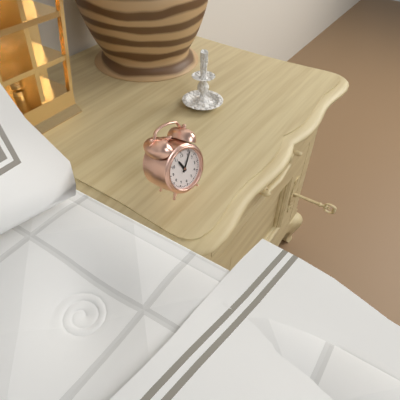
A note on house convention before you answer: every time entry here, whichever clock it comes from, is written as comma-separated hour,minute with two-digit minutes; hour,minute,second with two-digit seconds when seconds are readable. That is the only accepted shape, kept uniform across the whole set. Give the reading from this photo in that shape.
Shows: 11,06
